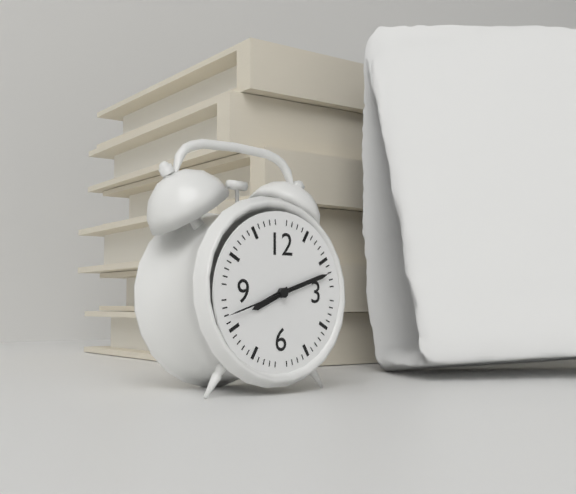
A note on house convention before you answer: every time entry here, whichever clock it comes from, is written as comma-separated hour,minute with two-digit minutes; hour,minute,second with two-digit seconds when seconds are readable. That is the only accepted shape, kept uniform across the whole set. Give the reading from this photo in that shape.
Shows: 8,12,42
